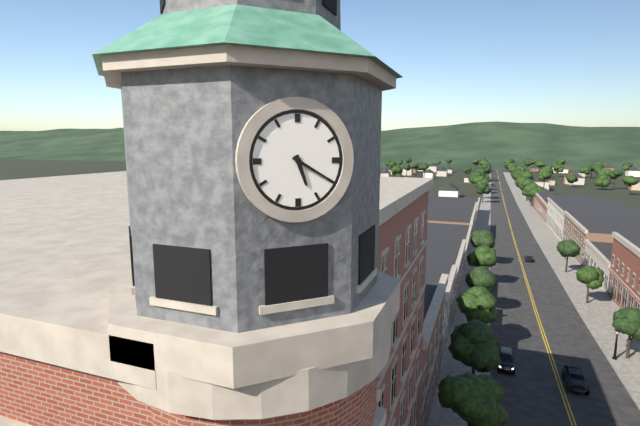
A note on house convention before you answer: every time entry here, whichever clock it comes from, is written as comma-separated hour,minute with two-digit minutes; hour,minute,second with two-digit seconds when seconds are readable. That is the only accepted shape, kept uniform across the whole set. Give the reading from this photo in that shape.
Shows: 5,20
